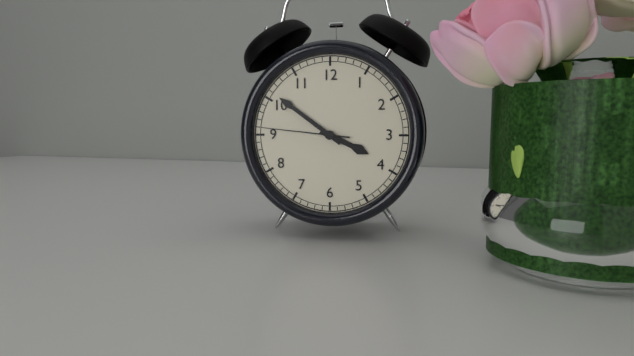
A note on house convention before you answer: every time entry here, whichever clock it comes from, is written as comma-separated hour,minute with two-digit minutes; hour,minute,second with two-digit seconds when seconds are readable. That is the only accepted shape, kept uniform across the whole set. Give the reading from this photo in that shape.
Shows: 3,51,46
